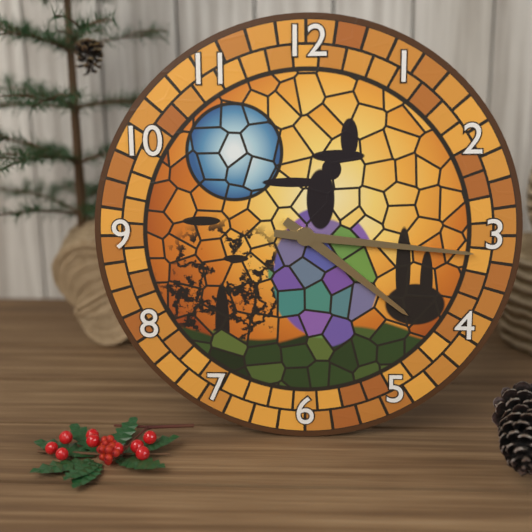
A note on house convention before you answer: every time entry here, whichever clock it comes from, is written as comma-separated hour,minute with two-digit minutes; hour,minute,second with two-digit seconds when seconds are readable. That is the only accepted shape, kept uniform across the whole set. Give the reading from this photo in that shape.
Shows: 4,16
